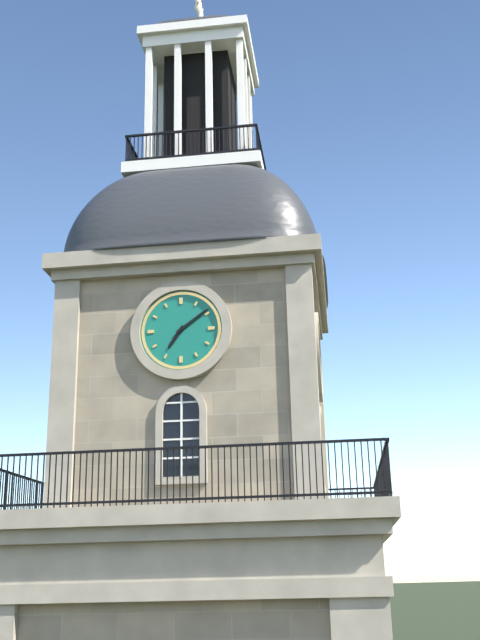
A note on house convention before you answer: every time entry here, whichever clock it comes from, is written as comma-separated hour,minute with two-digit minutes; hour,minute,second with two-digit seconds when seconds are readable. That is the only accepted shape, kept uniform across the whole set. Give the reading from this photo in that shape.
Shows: 7,09
